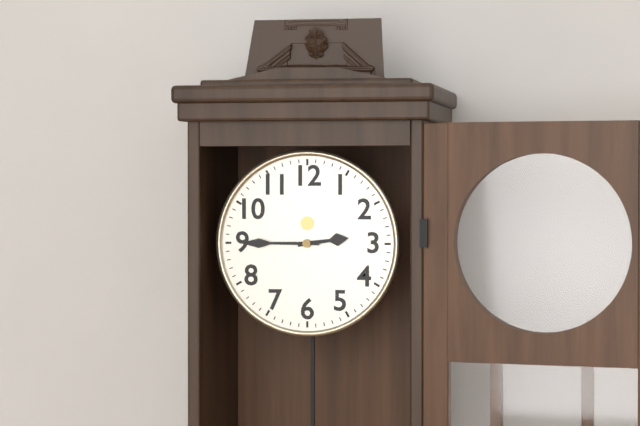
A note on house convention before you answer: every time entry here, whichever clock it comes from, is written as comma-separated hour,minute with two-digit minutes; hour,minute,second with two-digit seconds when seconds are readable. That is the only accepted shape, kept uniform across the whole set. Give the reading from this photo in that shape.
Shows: 2,45
